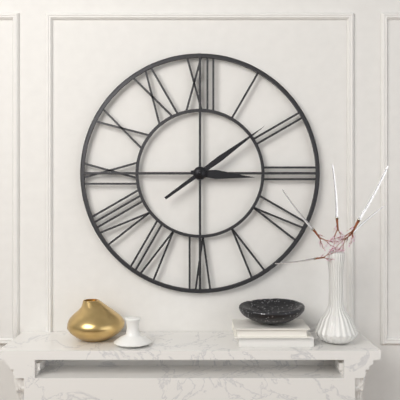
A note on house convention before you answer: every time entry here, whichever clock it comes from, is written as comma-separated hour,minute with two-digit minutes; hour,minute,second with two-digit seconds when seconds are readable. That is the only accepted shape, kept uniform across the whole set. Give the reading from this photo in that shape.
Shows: 3,09
